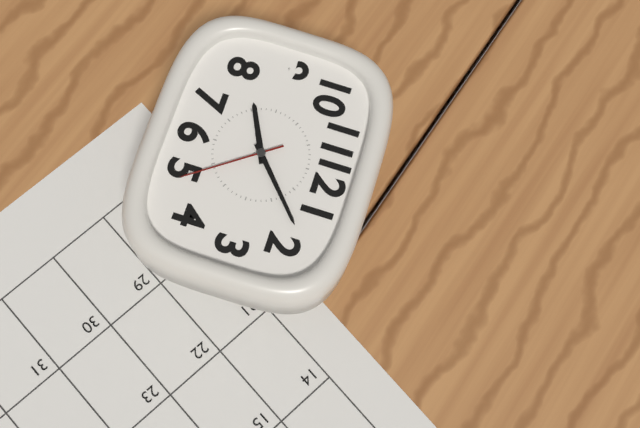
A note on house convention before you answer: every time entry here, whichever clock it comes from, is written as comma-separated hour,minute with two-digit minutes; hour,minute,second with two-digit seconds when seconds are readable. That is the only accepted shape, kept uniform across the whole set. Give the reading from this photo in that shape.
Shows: 8,08,24
